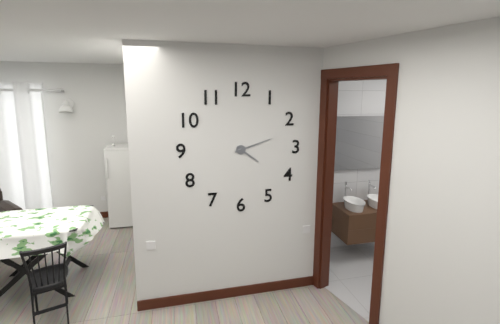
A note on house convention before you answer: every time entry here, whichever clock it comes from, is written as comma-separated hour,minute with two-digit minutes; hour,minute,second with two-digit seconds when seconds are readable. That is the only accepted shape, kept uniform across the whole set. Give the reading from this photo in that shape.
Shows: 4,12
